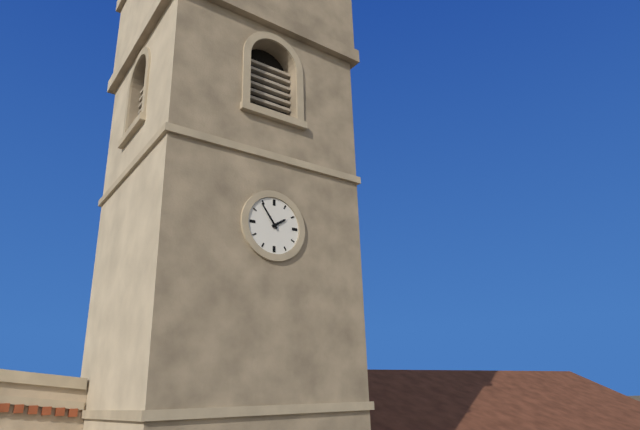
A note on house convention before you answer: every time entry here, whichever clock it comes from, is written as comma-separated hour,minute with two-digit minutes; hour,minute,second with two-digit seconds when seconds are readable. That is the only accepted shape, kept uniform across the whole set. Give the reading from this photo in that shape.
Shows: 1,54
